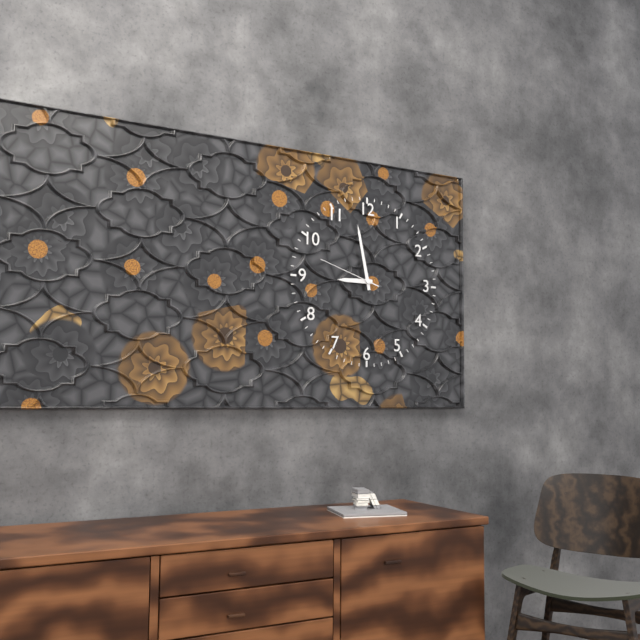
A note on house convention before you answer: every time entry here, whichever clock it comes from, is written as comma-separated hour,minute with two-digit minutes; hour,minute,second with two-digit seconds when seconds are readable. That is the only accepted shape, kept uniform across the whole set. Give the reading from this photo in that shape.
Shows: 8,58,48
